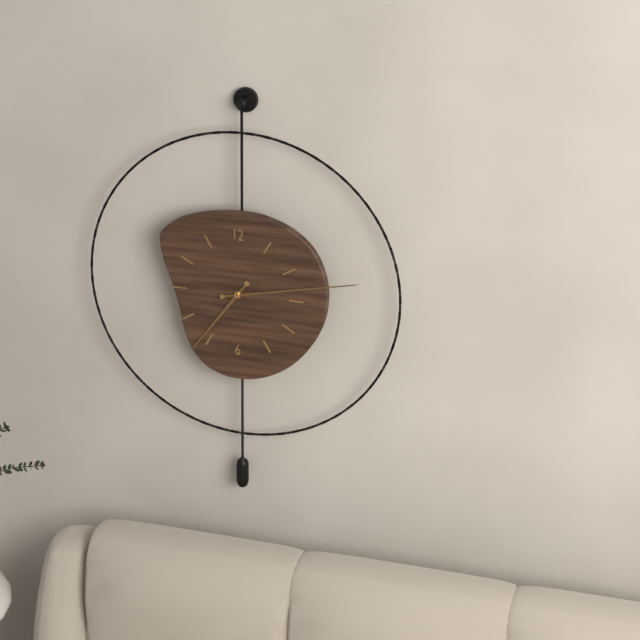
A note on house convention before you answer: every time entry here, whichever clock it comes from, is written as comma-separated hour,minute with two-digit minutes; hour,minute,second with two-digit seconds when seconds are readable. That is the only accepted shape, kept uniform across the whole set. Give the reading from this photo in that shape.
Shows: 7,13
